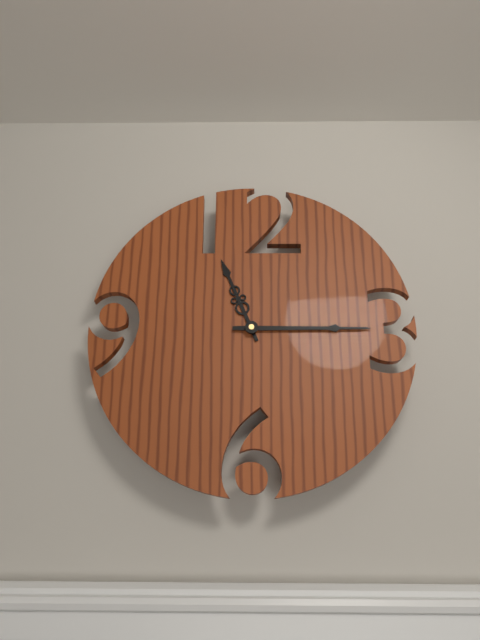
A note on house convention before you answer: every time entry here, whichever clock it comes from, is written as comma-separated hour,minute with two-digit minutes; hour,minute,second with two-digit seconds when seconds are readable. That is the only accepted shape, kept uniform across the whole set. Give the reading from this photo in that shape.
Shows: 11,15
